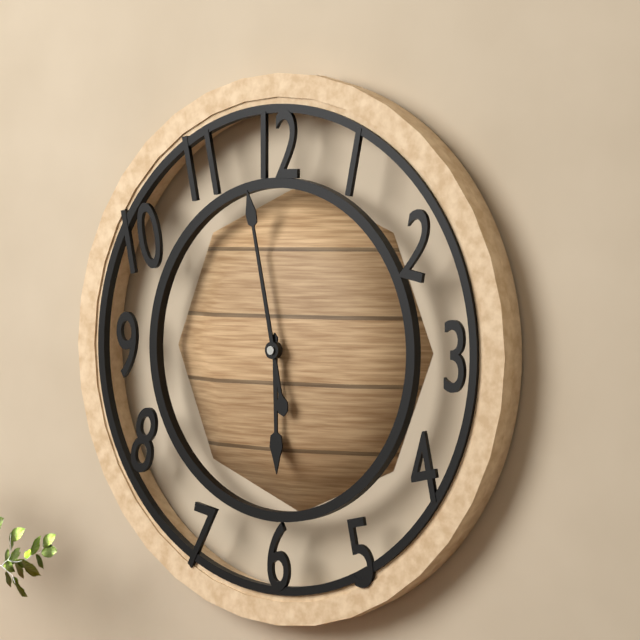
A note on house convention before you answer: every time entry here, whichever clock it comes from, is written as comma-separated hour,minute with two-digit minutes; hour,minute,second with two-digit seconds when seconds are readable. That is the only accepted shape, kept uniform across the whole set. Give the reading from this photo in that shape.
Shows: 5,58
